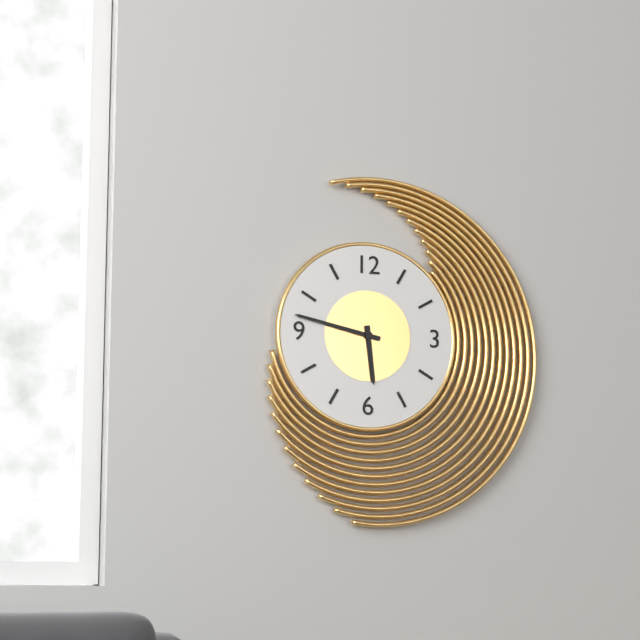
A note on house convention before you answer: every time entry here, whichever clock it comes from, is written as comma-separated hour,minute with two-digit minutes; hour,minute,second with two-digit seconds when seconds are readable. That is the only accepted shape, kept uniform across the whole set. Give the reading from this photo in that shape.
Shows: 5,47
